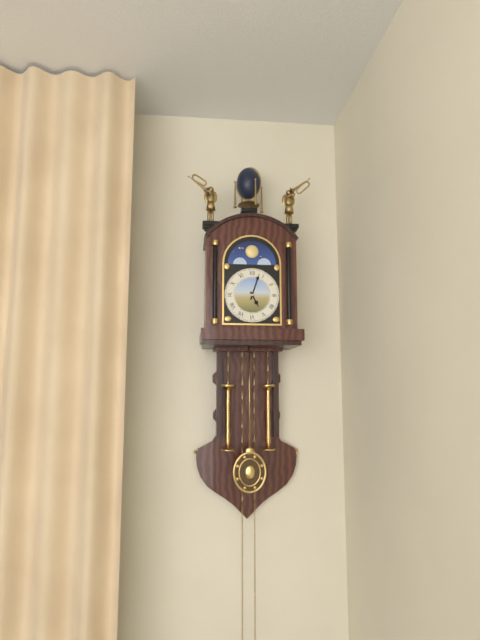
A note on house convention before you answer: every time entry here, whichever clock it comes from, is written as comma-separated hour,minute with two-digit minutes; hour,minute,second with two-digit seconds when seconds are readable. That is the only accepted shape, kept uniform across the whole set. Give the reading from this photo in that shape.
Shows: 5,03
